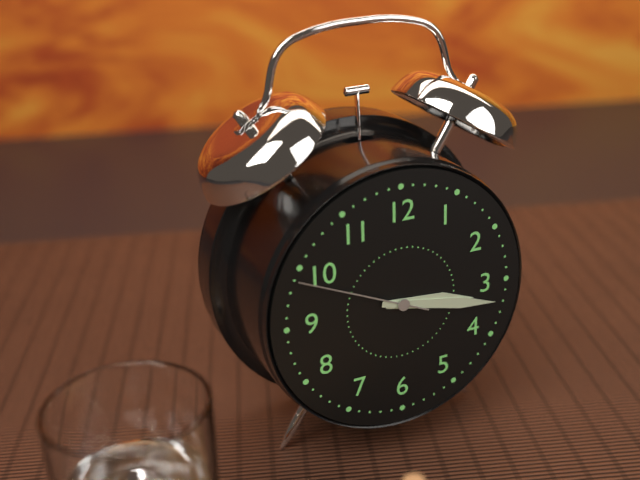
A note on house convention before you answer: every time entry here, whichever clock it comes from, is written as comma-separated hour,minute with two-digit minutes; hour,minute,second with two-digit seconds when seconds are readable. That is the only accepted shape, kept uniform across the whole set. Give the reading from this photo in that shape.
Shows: 3,17,49
